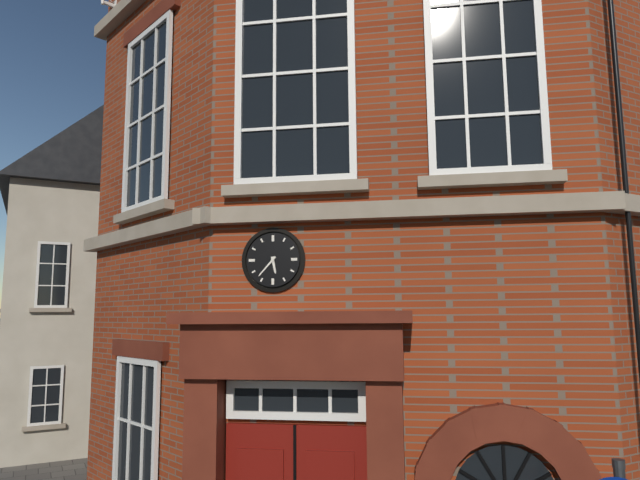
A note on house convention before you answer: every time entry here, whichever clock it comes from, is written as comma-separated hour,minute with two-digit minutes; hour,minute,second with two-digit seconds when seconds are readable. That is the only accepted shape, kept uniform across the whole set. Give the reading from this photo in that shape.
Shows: 5,37
